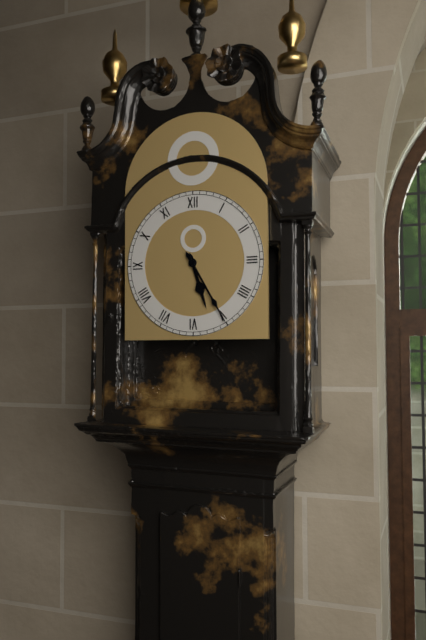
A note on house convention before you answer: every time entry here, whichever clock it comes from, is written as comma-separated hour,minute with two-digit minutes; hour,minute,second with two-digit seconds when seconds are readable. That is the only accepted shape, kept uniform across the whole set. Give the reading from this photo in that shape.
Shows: 5,25
